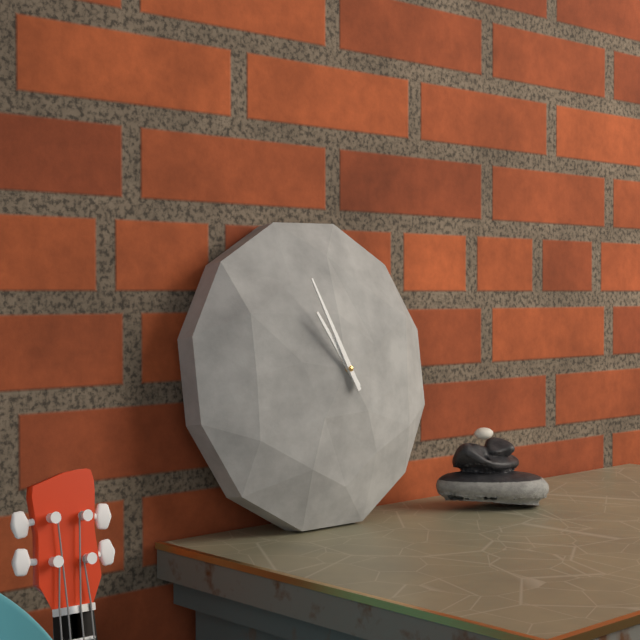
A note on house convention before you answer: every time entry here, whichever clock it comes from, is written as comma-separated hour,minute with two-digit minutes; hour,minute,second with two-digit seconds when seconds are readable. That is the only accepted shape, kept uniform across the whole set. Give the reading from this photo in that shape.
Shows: 10,56
